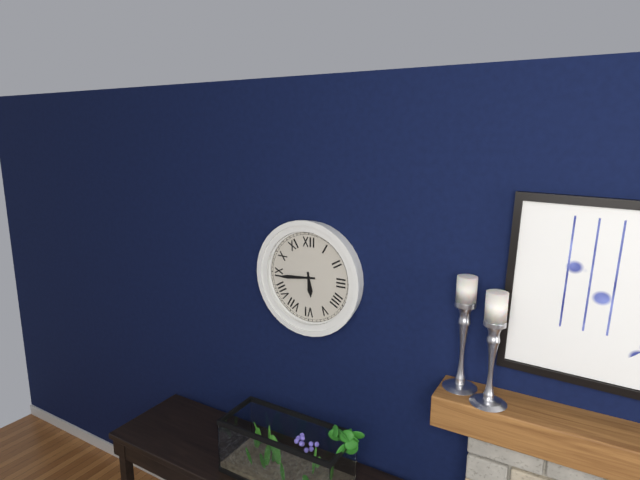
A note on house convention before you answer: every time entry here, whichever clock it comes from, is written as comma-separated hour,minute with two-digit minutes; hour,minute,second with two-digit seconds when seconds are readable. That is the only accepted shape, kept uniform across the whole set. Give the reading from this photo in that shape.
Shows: 5,44
